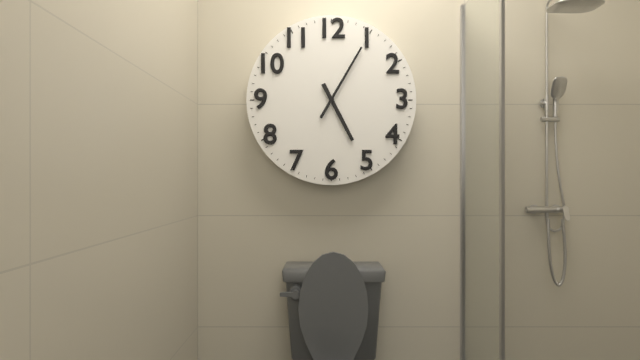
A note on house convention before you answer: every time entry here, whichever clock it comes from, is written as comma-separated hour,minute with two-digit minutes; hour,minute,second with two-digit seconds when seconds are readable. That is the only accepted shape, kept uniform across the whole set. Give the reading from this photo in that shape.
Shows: 5,05
